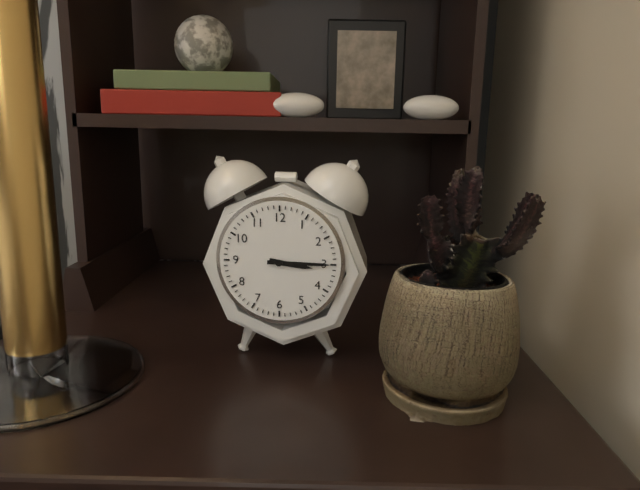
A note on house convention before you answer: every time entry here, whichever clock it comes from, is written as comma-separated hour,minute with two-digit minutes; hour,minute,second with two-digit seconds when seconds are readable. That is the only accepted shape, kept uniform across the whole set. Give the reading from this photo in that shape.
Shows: 3,15
